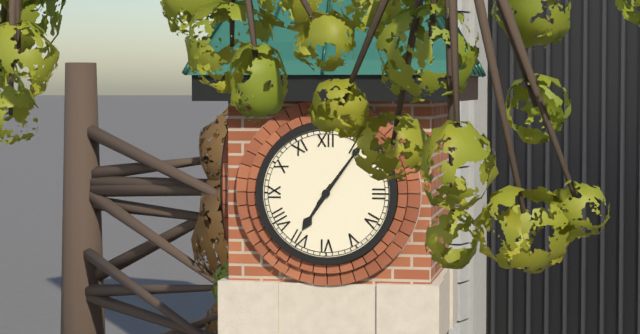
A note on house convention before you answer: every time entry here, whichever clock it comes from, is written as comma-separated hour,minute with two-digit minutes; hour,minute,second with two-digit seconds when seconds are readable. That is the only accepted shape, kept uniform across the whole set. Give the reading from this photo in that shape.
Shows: 7,06
